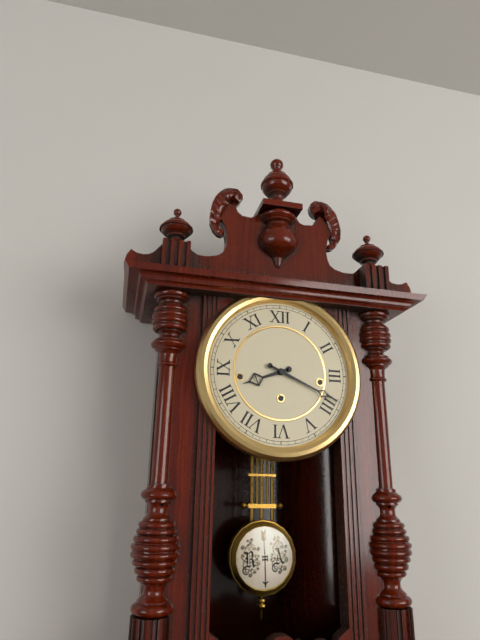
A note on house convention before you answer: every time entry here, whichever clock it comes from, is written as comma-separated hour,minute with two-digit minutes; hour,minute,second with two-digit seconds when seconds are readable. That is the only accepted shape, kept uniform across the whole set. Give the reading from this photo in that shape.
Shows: 8,19
